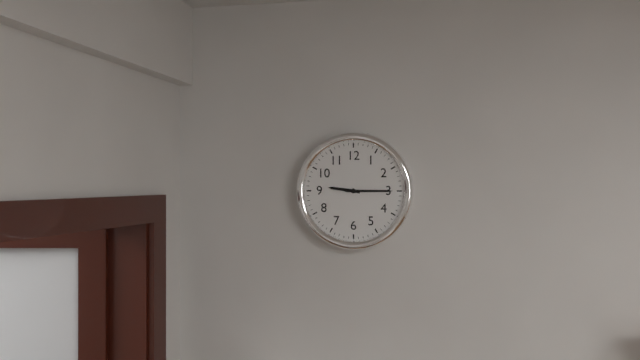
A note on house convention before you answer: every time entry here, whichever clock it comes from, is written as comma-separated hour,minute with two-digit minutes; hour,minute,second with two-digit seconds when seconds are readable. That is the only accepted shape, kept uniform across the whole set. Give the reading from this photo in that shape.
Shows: 9,15
